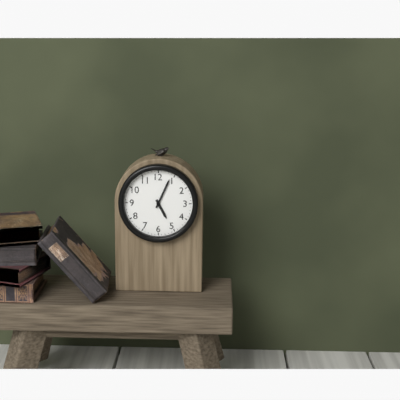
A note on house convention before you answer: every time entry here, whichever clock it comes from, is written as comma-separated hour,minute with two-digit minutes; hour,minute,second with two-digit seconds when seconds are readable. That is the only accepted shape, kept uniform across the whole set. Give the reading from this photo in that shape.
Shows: 5,04
